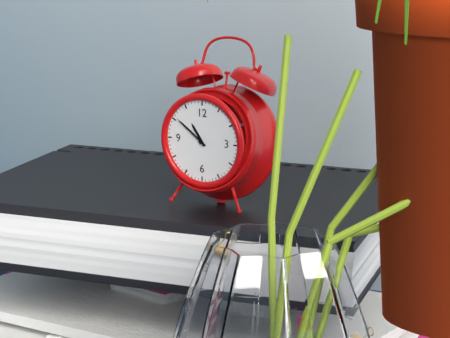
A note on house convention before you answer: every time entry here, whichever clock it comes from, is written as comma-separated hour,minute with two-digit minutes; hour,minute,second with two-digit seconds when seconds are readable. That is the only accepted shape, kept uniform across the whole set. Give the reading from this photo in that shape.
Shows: 10,51
